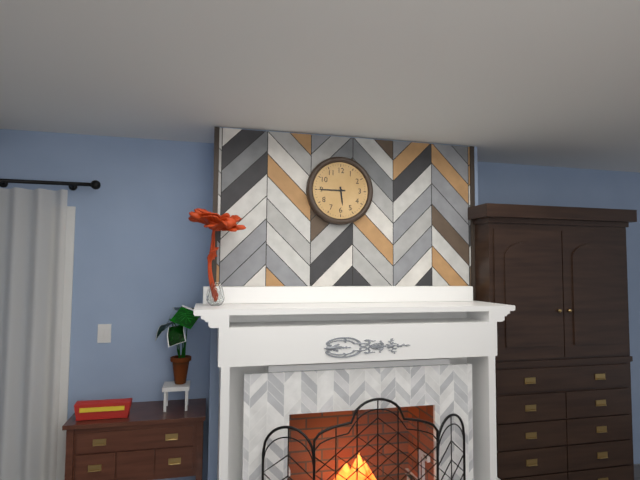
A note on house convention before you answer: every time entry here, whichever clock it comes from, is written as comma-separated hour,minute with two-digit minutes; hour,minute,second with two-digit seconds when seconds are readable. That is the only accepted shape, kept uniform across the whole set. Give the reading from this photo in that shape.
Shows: 5,45
